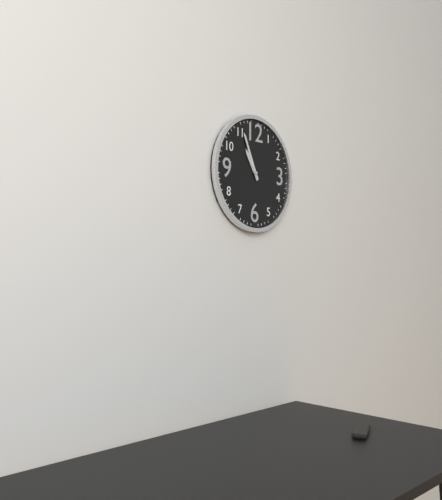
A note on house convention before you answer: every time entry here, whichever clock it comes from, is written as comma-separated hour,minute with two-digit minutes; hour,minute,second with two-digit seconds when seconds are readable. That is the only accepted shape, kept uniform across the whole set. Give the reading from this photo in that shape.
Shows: 10,56
